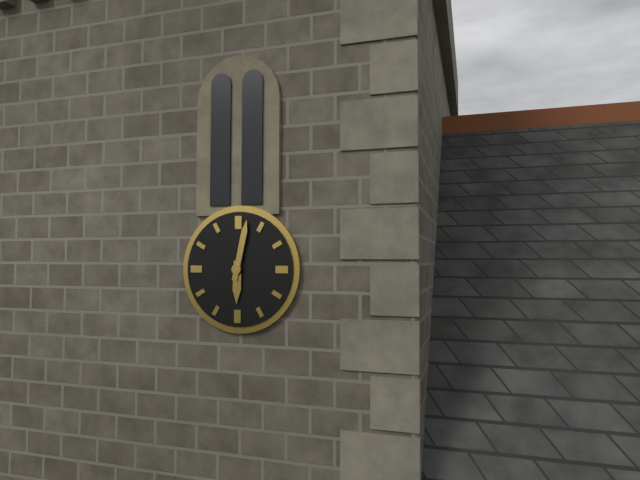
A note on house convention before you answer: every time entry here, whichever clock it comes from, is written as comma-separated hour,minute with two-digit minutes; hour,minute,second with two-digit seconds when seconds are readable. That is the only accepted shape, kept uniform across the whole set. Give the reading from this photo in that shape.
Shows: 6,02
